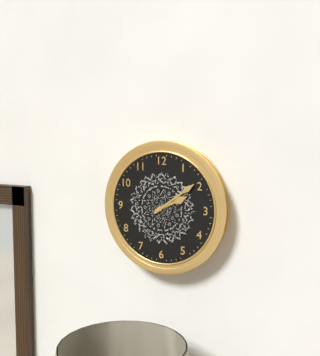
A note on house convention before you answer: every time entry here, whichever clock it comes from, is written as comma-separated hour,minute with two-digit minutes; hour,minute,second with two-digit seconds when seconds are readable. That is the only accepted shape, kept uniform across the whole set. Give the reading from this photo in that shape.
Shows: 2,09
